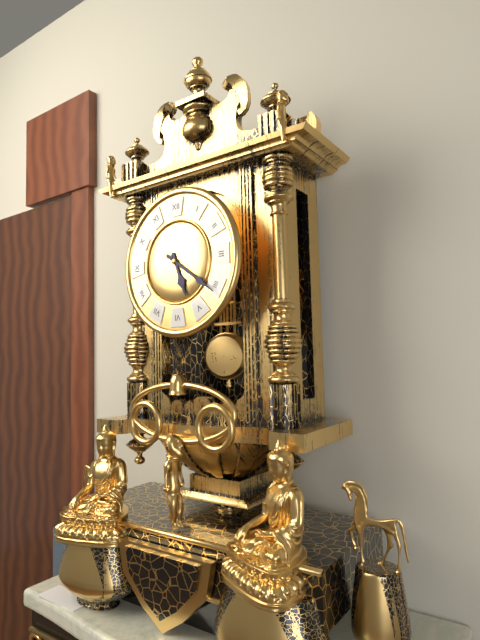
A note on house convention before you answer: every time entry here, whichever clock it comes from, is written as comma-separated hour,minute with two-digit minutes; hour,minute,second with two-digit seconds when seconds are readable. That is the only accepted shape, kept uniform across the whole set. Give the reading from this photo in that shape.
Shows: 5,21
